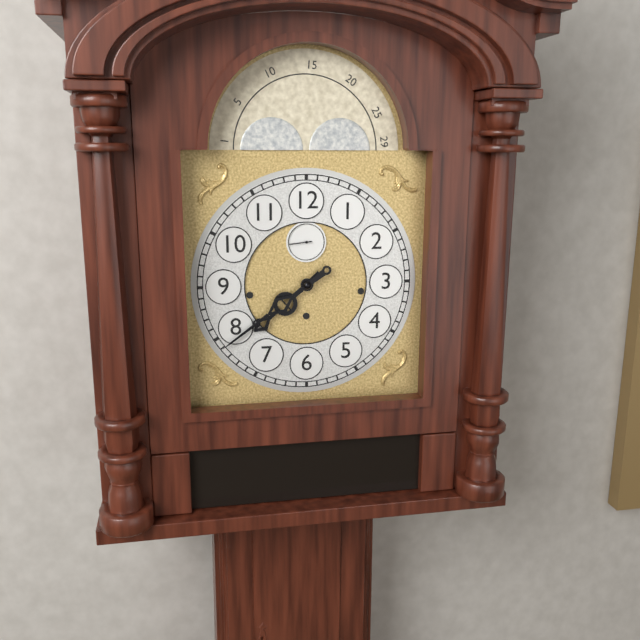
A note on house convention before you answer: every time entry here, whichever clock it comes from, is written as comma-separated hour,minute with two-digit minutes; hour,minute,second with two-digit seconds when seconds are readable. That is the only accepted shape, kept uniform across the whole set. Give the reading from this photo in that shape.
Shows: 7,39
